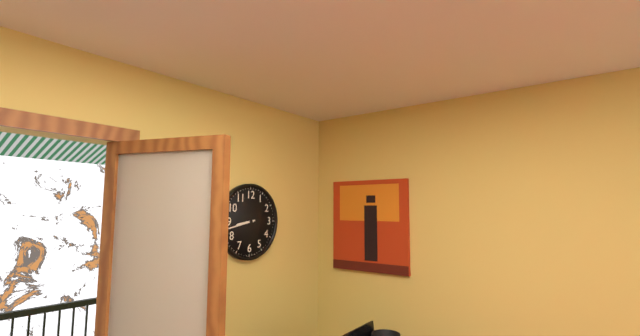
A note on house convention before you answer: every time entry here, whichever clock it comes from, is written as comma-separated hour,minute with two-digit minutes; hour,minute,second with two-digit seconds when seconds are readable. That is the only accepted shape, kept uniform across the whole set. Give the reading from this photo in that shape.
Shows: 8,43
